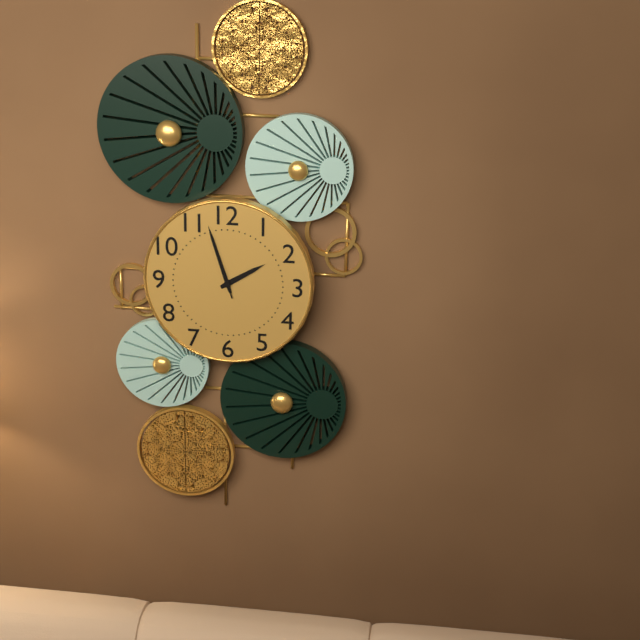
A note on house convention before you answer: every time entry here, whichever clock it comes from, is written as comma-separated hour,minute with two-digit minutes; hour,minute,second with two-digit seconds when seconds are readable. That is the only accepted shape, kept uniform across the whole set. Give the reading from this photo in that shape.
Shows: 1,57,57
